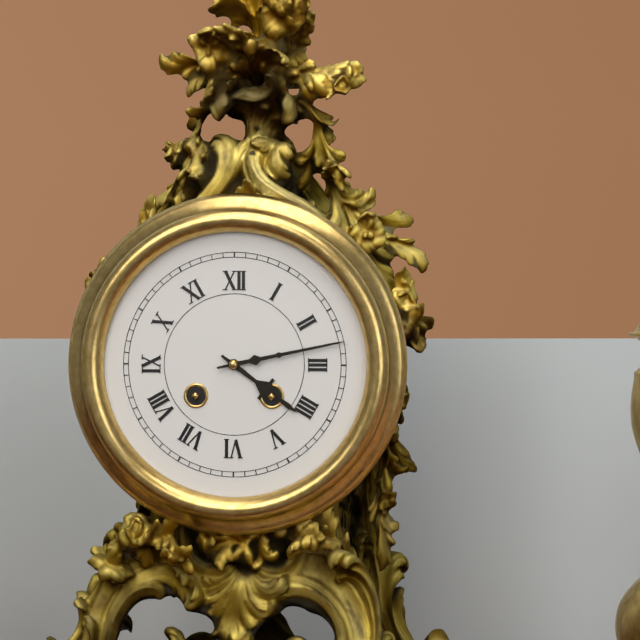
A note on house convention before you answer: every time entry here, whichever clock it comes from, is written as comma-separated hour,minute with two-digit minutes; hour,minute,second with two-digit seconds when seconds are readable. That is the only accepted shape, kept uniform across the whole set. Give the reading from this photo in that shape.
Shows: 4,13
